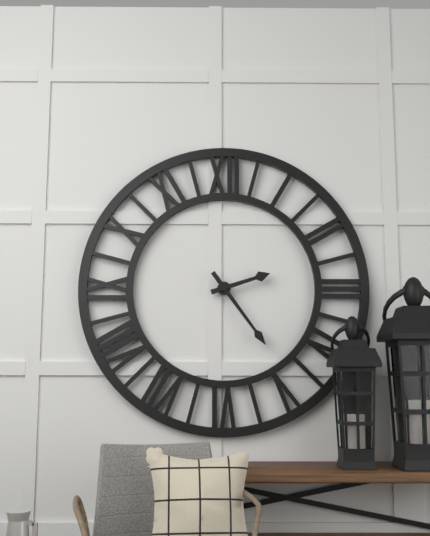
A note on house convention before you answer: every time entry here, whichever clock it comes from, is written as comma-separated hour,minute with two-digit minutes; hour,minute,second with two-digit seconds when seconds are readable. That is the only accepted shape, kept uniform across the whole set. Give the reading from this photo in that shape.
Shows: 2,24
